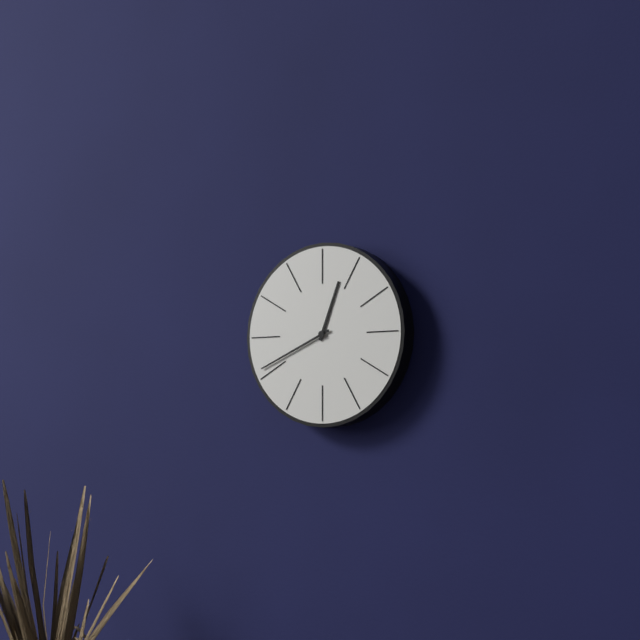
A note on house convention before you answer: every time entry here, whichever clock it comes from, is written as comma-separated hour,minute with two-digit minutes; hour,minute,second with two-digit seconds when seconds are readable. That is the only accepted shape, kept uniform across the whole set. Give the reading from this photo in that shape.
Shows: 12,41
